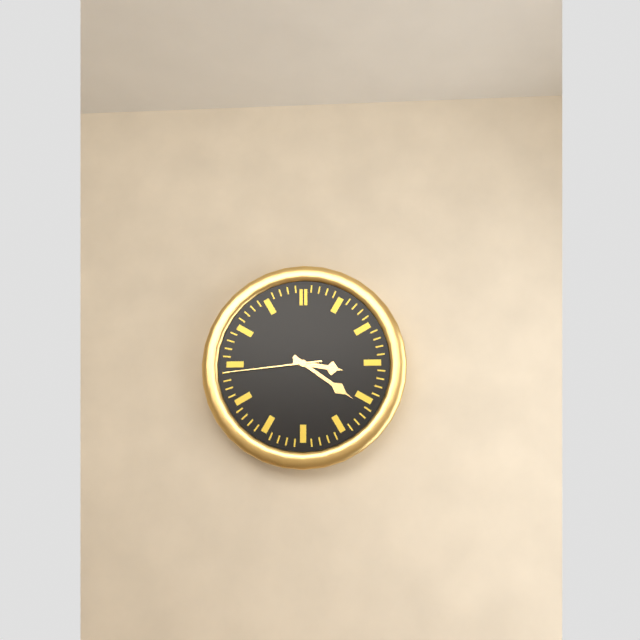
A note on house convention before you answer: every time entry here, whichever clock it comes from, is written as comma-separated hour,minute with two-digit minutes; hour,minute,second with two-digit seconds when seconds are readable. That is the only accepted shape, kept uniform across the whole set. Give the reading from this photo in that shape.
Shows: 3,21,44
